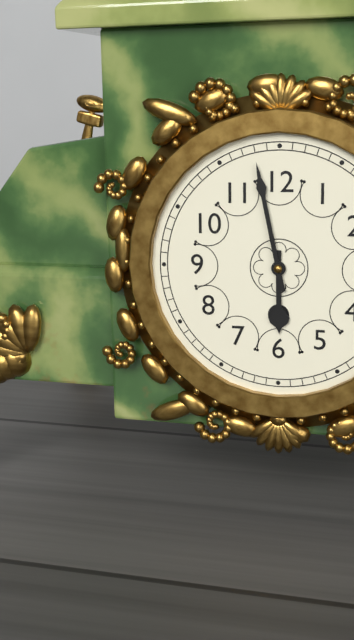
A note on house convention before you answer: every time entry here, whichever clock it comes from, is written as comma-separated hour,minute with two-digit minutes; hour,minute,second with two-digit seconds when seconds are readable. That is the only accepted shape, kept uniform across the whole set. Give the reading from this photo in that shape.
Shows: 5,58
